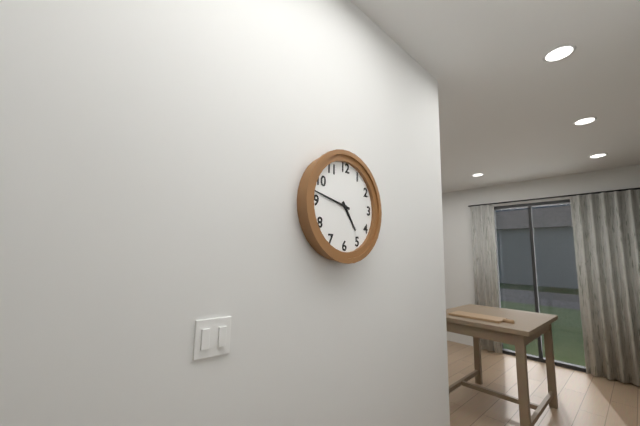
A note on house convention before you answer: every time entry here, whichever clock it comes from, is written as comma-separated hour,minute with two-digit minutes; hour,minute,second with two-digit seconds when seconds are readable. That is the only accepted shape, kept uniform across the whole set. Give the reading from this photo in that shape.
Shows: 4,47
